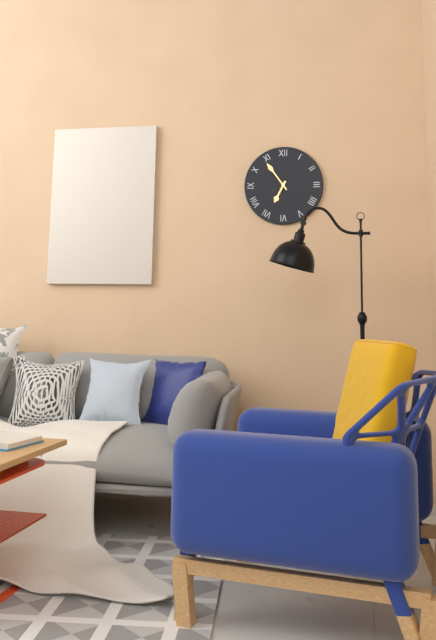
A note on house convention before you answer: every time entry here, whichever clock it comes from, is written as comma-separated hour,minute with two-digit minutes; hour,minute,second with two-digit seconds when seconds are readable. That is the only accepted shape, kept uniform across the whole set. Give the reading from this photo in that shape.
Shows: 6,54
